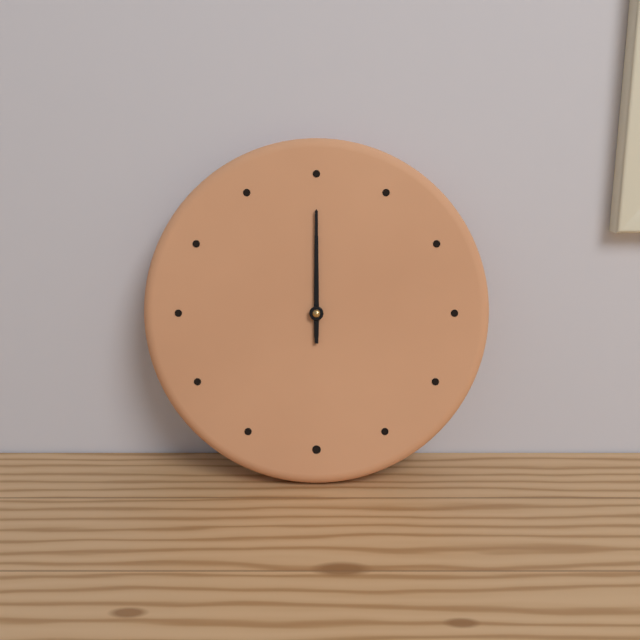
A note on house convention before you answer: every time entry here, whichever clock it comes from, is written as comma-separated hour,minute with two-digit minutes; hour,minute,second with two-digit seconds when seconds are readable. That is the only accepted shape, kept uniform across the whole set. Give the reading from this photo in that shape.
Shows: 12,00
